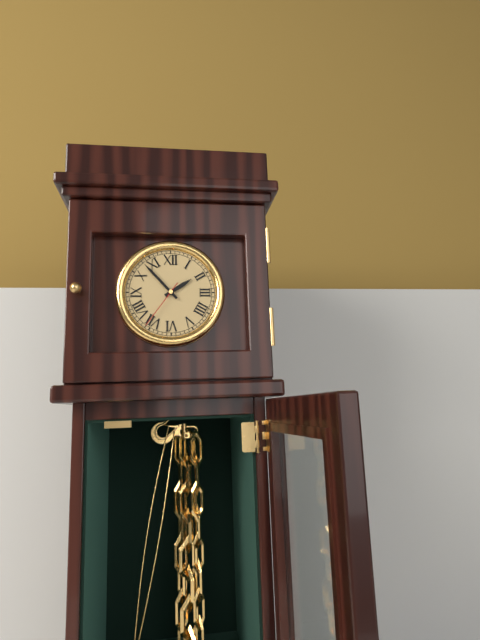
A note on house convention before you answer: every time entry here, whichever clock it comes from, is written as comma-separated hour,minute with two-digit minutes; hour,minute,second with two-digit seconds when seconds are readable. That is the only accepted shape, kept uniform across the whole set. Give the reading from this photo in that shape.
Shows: 1,53,36
